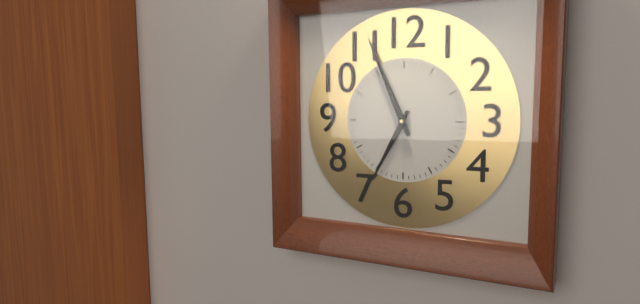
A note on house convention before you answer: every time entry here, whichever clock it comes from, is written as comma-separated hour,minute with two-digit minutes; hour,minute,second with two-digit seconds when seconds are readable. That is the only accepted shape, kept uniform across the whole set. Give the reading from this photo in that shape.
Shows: 6,56
